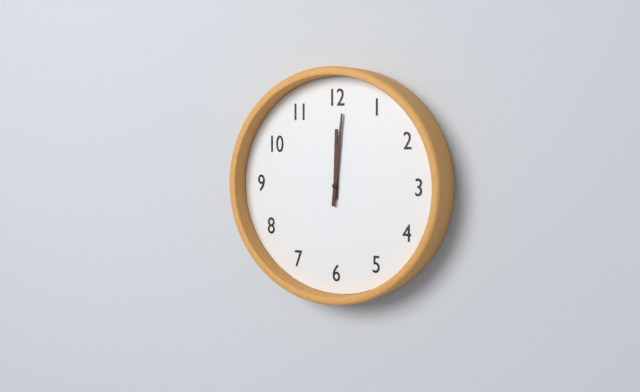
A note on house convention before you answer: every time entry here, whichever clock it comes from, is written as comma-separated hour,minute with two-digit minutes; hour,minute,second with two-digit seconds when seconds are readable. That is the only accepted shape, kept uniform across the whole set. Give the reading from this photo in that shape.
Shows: 12,01
